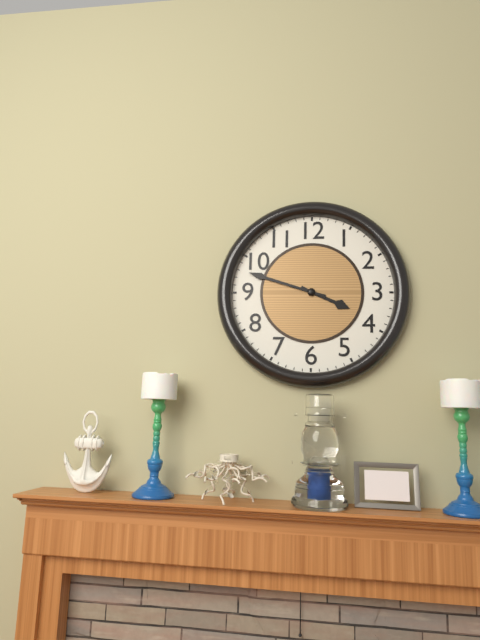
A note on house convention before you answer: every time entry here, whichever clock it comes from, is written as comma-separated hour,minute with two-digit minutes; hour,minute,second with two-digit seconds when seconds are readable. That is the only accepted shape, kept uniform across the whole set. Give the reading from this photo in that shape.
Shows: 3,48
